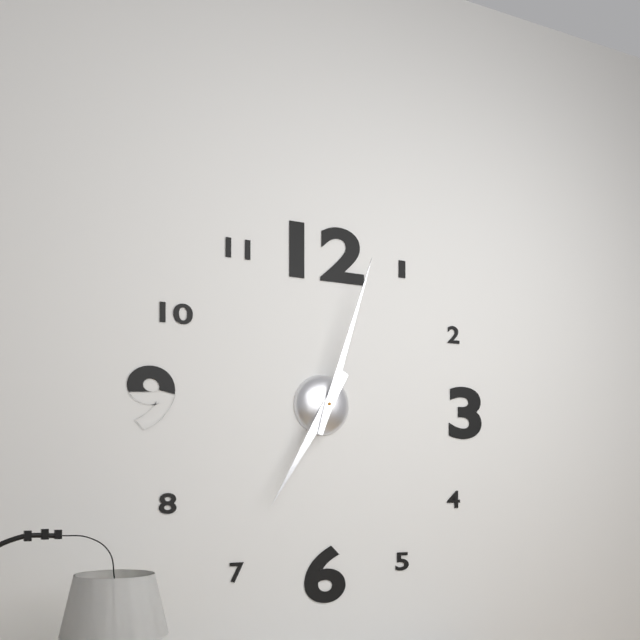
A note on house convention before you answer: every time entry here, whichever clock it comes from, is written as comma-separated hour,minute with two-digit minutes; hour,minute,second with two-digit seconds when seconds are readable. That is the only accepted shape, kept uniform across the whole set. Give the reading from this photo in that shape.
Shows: 7,03
